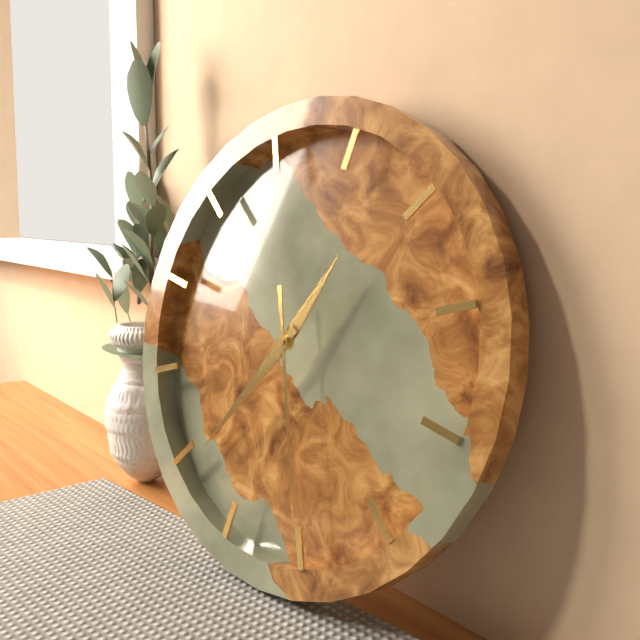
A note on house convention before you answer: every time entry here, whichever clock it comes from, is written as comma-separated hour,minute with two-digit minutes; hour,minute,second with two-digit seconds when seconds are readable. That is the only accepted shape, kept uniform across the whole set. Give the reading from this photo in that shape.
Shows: 12,34,25
